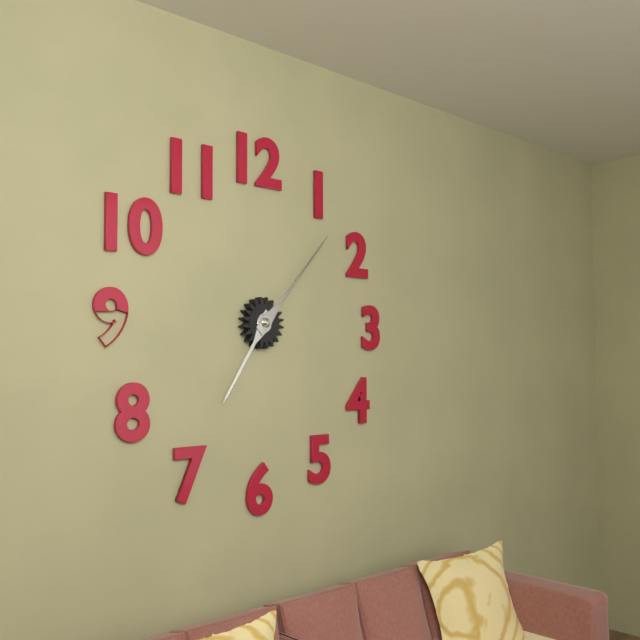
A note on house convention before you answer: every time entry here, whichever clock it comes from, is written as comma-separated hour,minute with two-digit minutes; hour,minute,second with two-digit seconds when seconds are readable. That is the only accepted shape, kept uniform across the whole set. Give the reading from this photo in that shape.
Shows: 7,07
